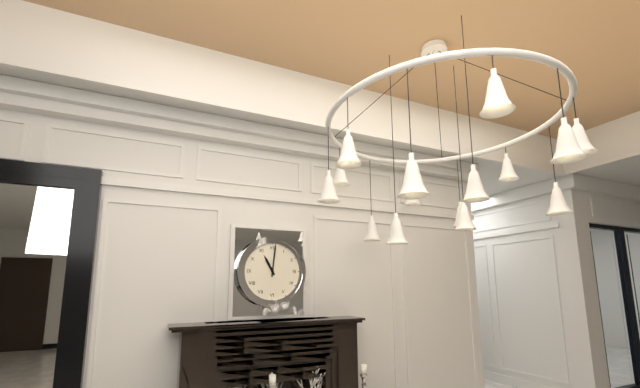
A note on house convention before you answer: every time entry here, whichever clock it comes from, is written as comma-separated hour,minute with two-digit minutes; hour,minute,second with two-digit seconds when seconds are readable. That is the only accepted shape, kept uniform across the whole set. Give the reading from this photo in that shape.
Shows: 11,01
